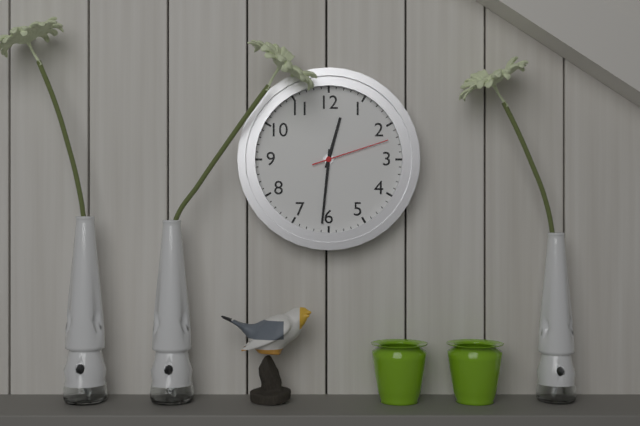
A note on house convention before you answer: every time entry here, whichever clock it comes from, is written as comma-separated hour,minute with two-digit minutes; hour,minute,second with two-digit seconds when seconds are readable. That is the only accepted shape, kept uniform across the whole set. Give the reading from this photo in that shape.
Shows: 12,31,12
